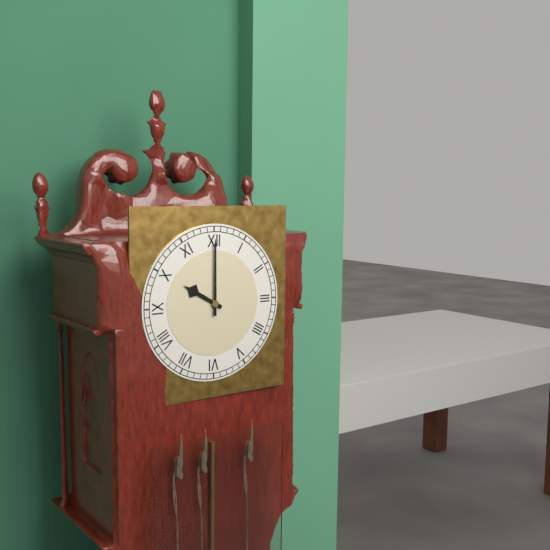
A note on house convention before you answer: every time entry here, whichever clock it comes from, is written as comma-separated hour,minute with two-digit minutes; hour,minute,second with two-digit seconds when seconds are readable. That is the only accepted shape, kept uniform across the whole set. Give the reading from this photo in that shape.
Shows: 10,00
